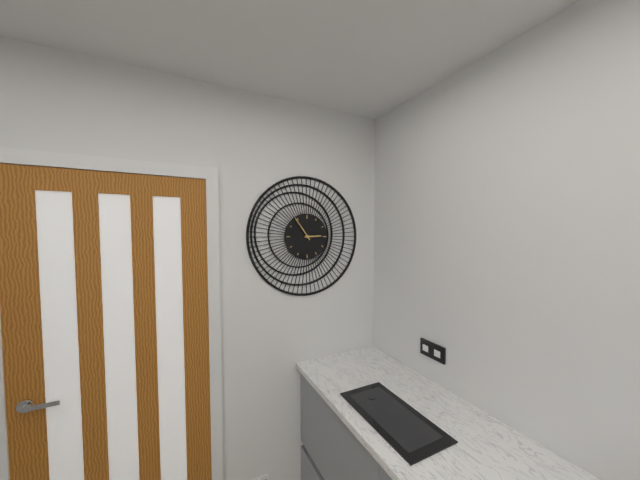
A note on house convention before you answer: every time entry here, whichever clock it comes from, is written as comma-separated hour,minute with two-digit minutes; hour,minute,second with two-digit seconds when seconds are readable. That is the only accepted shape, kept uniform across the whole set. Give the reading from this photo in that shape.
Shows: 2,54
